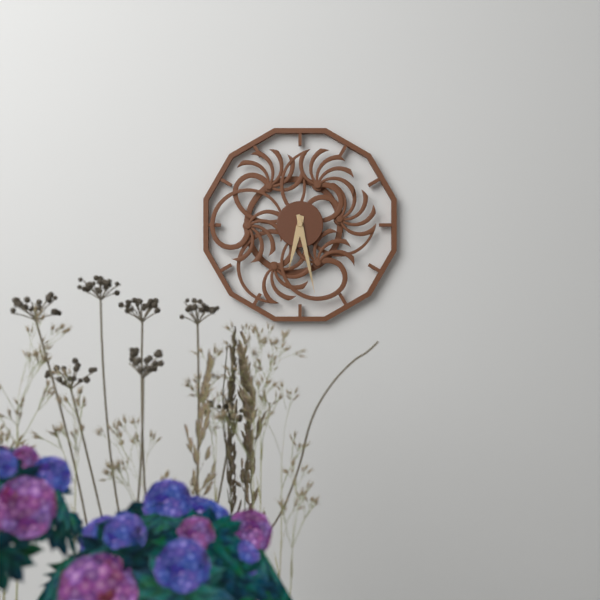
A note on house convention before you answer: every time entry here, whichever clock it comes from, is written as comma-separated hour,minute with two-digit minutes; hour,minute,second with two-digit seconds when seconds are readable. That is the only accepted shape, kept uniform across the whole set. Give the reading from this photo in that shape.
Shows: 6,28
